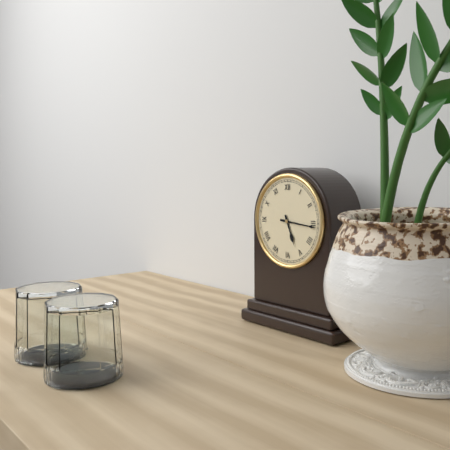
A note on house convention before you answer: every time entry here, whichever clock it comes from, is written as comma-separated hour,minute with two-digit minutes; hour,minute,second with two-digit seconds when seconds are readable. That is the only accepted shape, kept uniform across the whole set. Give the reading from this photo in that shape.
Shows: 5,16
